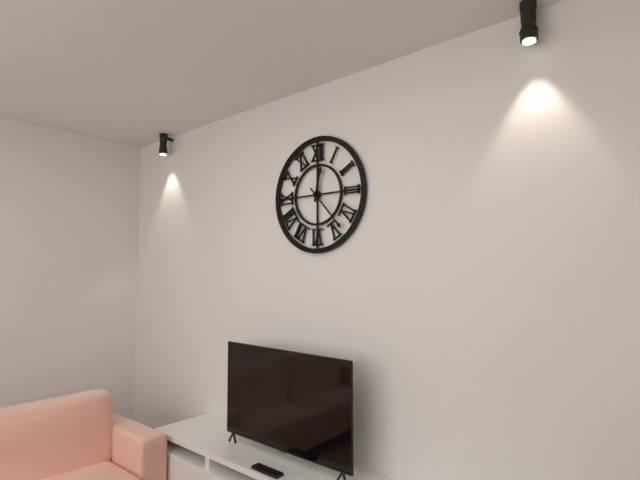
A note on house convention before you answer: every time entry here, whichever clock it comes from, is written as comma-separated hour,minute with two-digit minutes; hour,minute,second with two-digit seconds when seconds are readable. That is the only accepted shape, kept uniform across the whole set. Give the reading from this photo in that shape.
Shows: 12,23
